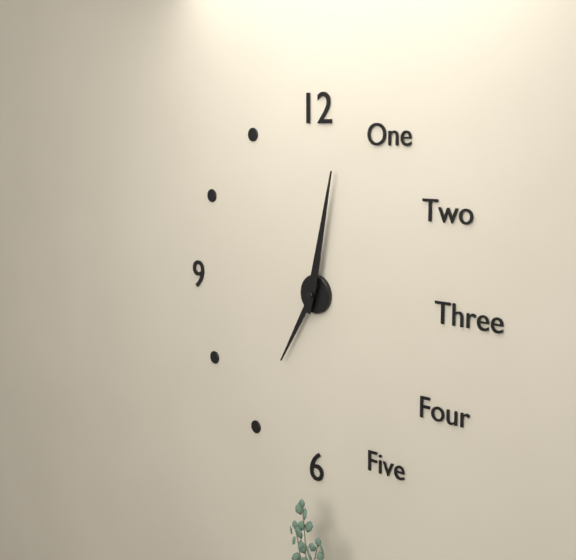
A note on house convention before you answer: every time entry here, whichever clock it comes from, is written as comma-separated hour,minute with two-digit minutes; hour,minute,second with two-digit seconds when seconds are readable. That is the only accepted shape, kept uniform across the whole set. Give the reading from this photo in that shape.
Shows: 7,02
